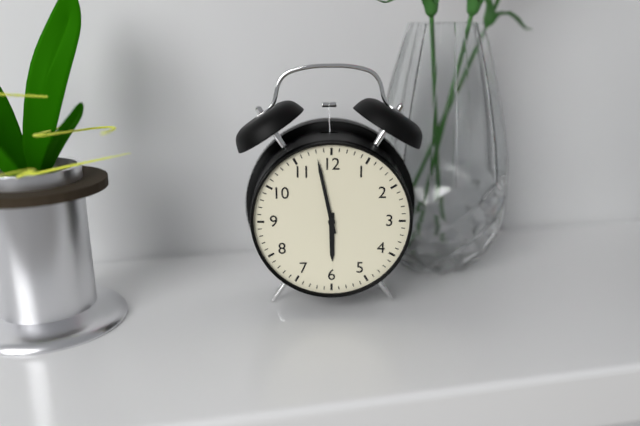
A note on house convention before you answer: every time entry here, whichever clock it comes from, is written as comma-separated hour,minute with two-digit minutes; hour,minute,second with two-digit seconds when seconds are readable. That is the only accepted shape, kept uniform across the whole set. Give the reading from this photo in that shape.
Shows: 5,58
